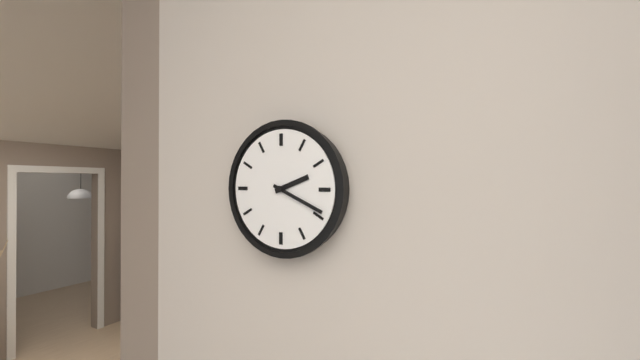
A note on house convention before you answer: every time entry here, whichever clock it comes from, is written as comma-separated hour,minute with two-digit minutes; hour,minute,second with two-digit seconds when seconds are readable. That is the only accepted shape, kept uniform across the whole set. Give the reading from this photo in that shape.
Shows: 2,19
